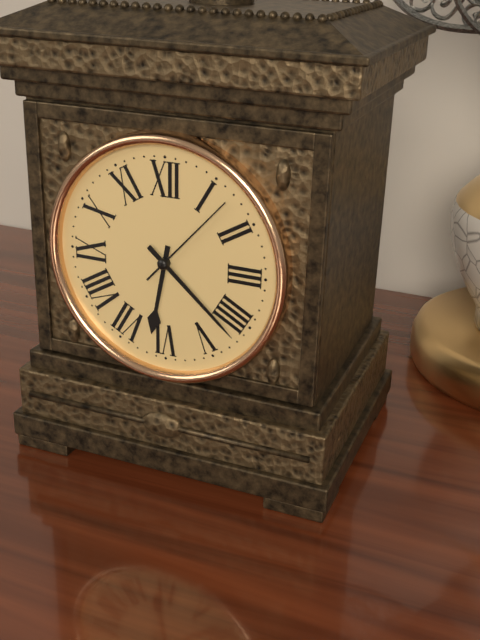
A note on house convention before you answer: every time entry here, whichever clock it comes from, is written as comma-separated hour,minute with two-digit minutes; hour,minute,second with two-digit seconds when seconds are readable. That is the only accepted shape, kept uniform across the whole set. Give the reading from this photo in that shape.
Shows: 6,22,07
